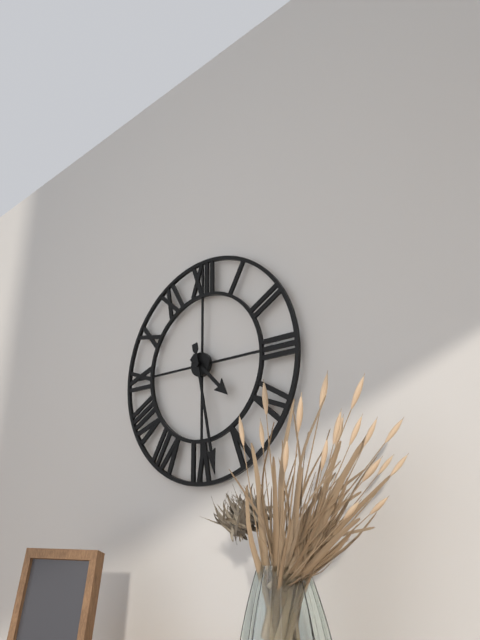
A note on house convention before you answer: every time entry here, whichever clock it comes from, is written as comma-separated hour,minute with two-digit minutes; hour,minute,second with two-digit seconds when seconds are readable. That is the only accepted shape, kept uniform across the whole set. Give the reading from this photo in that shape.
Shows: 4,28
